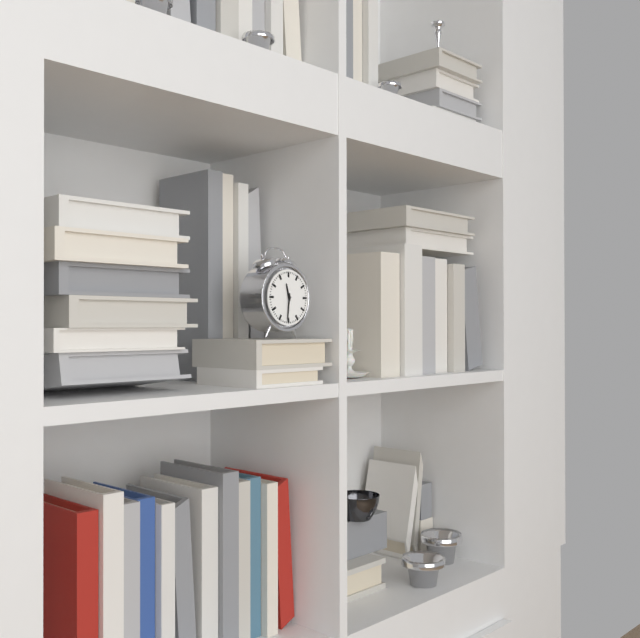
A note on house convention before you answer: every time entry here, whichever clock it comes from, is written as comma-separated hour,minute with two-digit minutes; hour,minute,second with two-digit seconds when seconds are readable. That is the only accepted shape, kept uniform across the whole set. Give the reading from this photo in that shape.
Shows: 11,31
